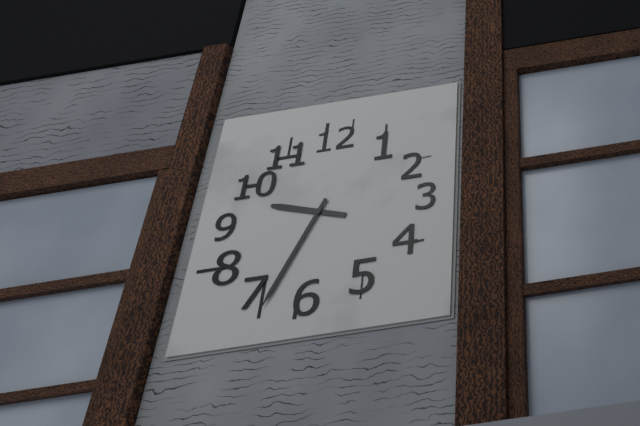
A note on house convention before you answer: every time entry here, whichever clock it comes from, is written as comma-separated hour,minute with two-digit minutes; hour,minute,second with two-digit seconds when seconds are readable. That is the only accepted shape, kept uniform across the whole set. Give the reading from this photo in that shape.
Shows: 9,34
